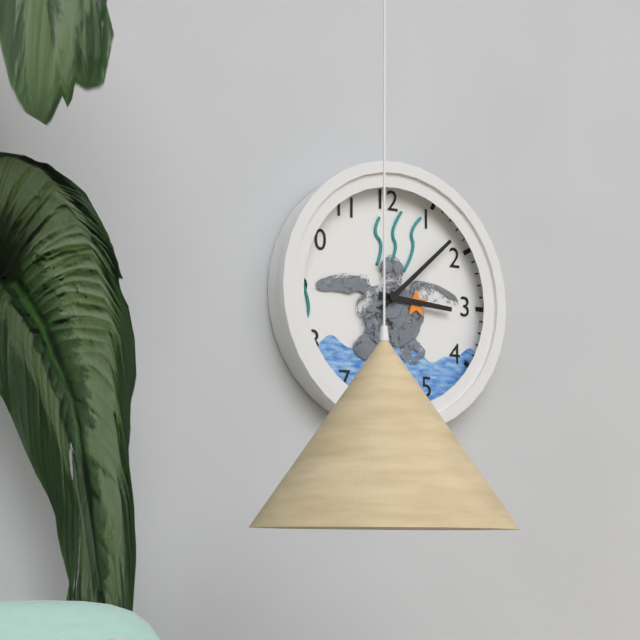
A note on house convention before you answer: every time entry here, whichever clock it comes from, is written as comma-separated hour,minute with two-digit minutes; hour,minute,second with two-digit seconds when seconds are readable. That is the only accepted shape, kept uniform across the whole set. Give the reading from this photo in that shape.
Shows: 3,08
